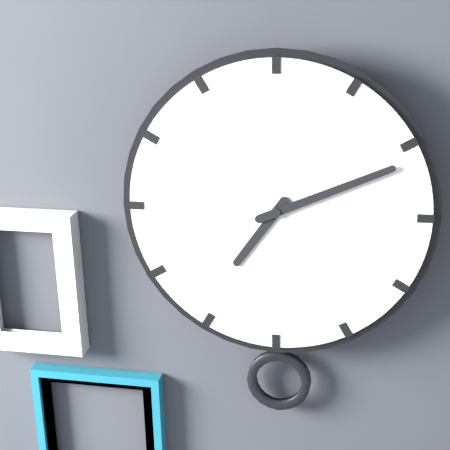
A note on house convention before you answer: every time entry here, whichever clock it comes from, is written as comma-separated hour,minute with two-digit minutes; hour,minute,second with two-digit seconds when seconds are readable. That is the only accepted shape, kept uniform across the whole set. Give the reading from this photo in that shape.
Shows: 7,11
